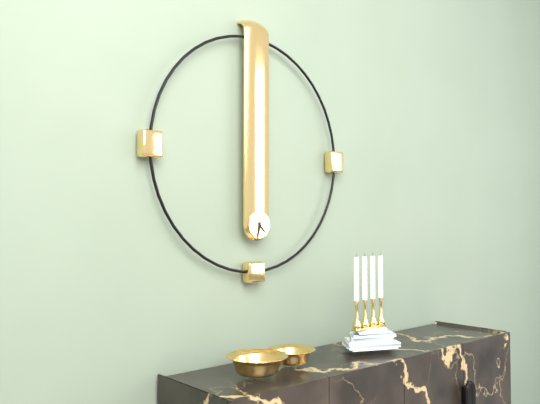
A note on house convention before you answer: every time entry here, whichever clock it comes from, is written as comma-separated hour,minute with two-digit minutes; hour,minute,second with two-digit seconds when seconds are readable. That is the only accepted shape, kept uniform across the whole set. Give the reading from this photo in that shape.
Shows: 4,32
